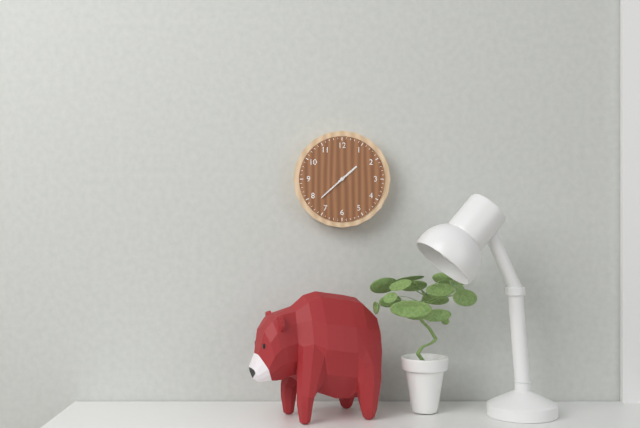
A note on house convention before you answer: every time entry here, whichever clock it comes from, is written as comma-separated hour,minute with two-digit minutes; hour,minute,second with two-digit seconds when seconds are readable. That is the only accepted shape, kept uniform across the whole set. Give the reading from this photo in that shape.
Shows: 1,38
